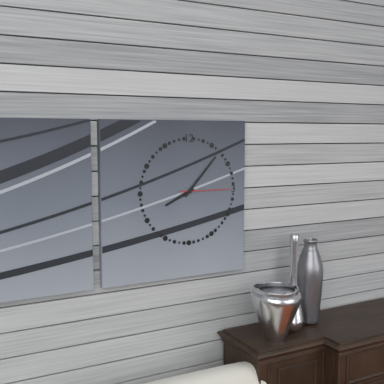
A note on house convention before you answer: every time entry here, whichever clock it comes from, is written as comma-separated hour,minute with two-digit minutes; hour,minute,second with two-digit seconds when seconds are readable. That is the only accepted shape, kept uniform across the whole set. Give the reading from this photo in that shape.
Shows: 8,07,15
